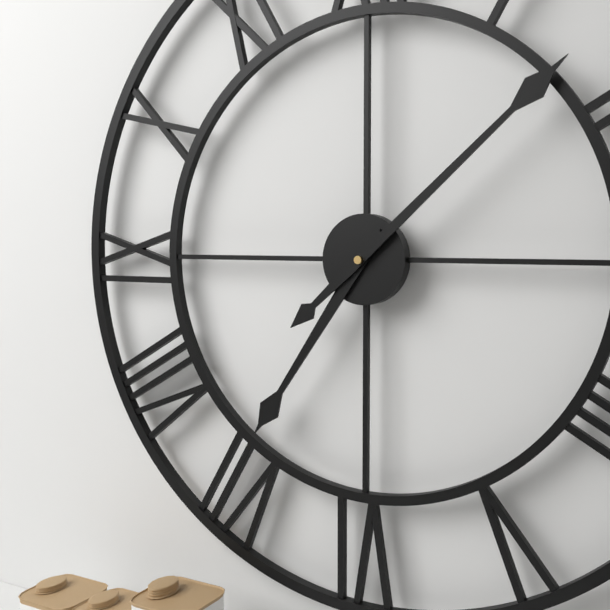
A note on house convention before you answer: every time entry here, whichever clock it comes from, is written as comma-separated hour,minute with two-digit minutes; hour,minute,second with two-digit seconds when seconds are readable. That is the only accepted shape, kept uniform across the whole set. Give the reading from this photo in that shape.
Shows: 7,08
